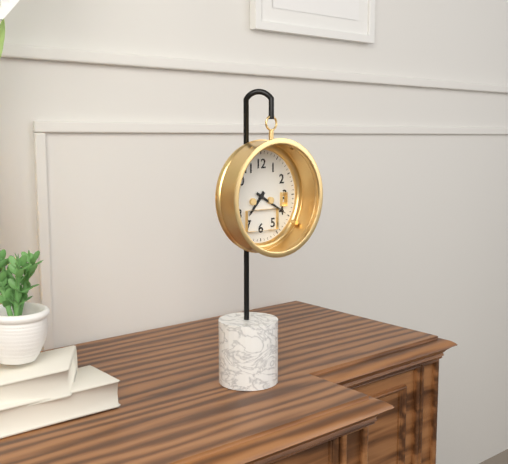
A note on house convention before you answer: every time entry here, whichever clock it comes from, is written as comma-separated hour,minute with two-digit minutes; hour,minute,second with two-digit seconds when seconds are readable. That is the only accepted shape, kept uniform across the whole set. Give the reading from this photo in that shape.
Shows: 7,20
